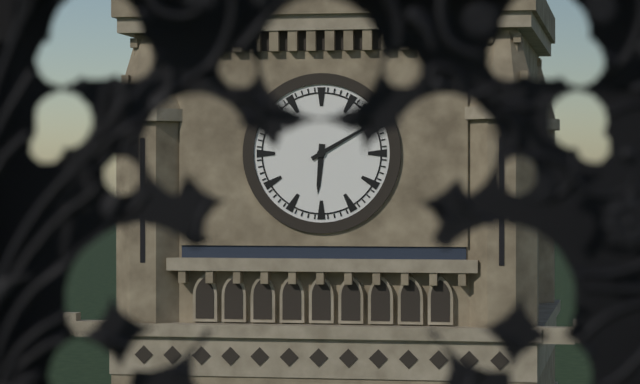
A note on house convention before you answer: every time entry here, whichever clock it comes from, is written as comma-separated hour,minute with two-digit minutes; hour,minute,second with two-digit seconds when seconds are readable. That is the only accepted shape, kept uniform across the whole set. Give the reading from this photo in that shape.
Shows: 6,10
